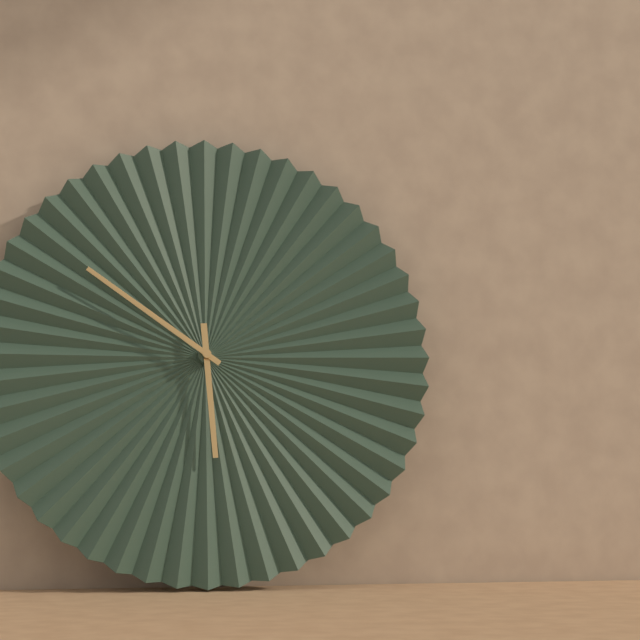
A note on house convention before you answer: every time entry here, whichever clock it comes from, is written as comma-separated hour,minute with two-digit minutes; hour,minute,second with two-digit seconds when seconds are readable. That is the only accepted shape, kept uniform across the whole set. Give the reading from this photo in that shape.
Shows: 5,51
